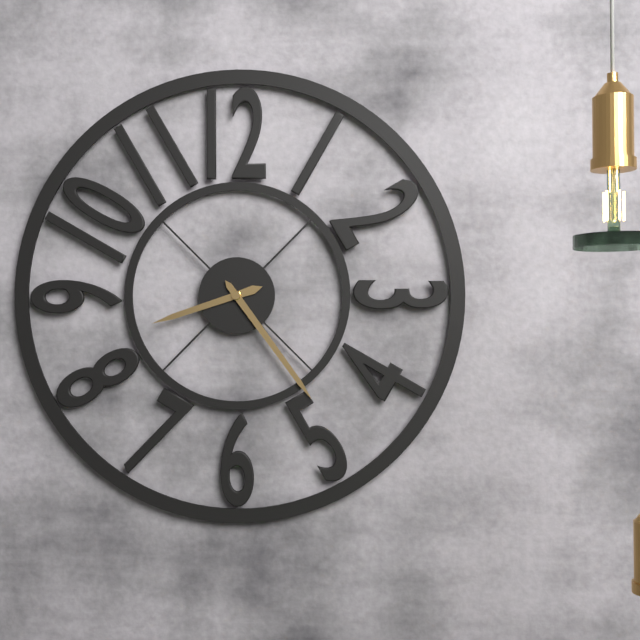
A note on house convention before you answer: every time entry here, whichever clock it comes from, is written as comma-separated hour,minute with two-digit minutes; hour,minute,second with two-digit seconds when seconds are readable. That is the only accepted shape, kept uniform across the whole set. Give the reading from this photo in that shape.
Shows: 8,24
